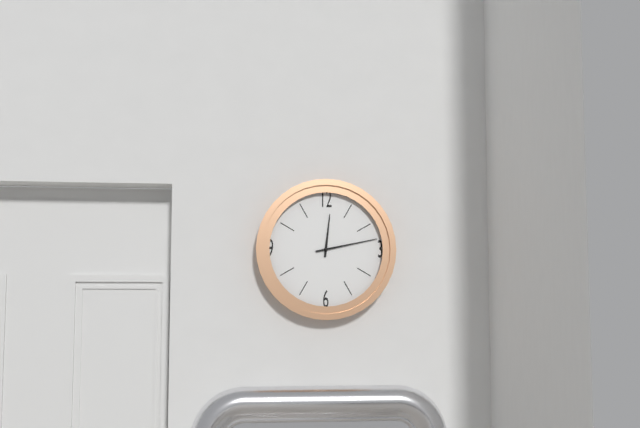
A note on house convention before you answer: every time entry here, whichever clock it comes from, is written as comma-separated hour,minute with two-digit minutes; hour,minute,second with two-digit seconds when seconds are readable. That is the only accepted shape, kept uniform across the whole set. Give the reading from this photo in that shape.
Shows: 12,13
